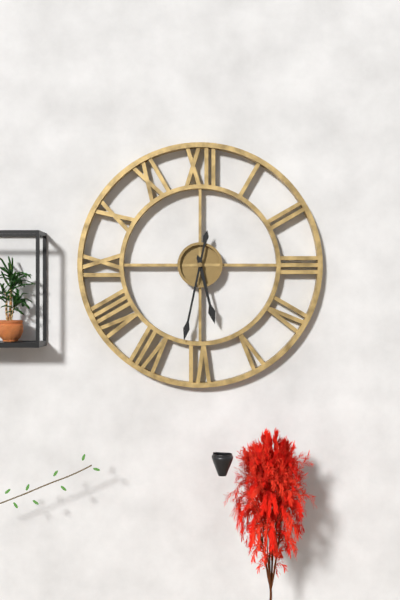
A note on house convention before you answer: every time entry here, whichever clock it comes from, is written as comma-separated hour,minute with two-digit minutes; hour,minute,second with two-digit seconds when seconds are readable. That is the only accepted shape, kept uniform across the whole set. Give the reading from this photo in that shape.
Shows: 5,32
